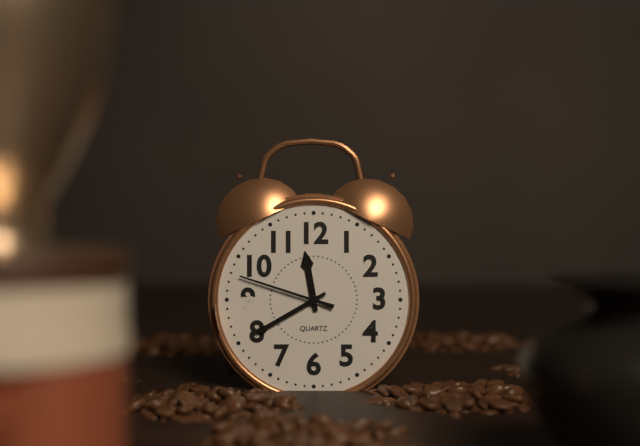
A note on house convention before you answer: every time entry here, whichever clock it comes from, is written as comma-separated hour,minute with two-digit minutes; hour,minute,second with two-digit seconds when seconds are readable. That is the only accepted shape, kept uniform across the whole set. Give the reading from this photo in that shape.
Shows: 11,40,48
